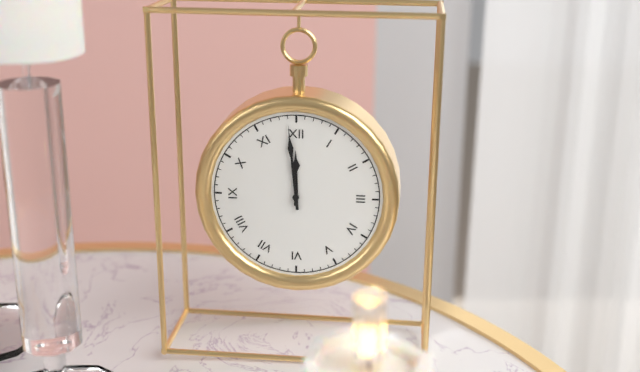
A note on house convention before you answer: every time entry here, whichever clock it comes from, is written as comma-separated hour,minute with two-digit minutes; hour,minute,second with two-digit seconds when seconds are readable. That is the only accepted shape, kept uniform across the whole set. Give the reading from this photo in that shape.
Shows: 11,59
